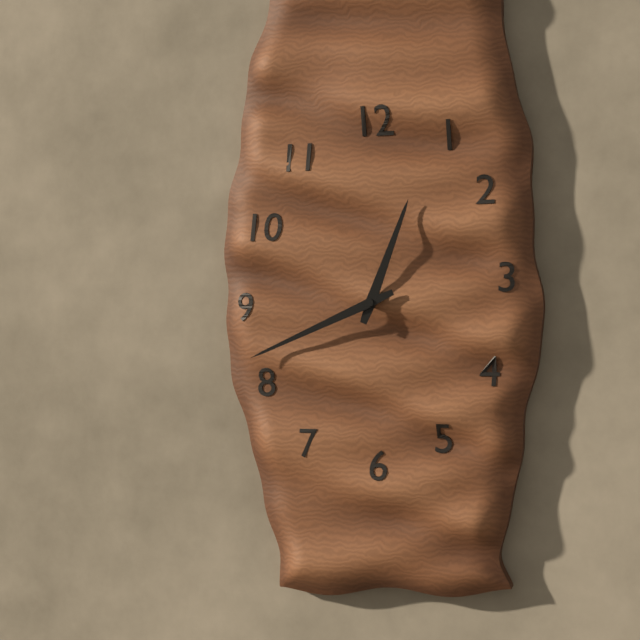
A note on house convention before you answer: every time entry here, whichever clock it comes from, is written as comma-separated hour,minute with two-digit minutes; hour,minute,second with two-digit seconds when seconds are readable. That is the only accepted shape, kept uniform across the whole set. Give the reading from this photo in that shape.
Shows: 12,41
